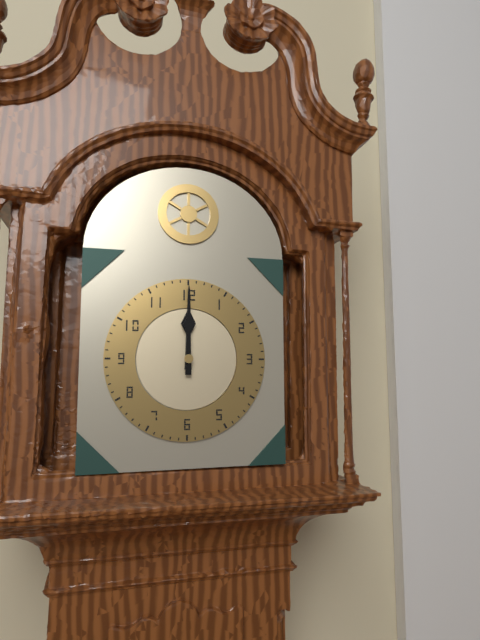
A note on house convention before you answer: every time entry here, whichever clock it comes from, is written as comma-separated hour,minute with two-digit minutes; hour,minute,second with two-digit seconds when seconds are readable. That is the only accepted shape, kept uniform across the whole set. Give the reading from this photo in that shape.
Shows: 12,00
